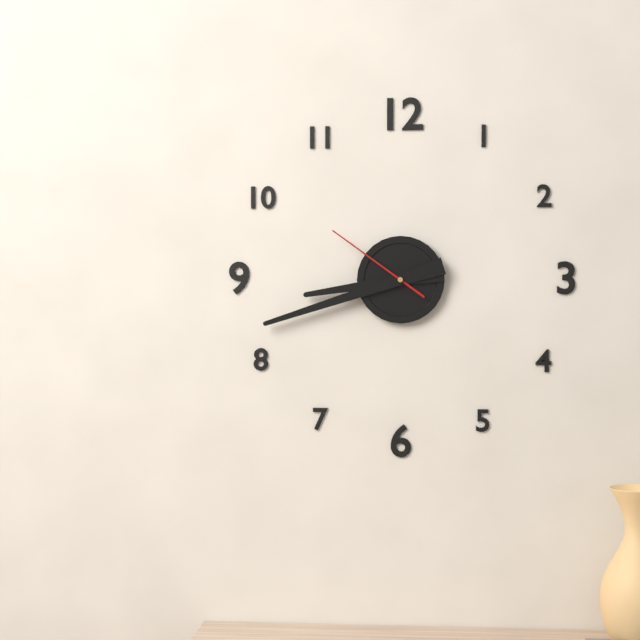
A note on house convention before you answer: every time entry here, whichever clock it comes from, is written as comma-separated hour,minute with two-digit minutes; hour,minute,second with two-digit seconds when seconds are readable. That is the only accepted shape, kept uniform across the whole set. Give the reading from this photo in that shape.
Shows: 8,42,51
